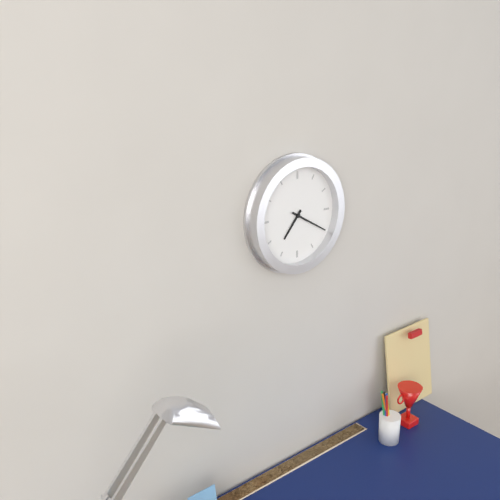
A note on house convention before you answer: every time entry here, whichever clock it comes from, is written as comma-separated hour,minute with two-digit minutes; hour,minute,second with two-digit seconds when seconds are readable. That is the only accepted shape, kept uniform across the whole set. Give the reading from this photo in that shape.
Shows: 7,20
